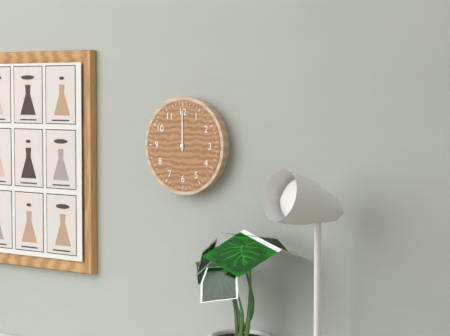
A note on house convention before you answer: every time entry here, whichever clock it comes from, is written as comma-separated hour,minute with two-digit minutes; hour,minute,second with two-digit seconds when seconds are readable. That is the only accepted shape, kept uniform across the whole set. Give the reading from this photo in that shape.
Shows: 12,00
